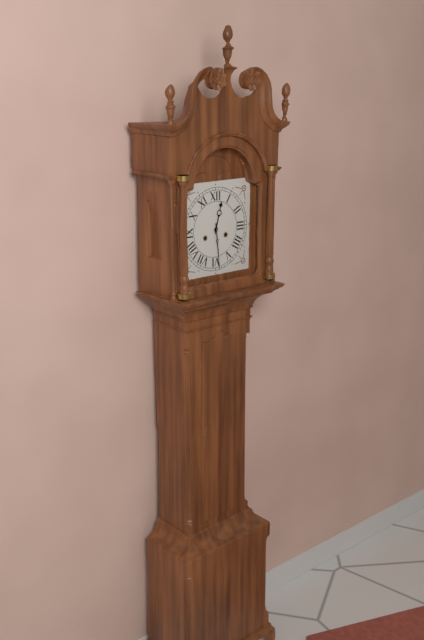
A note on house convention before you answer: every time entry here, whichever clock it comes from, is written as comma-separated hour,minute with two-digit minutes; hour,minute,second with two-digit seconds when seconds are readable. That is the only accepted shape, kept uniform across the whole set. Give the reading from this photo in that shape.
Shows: 12,29
